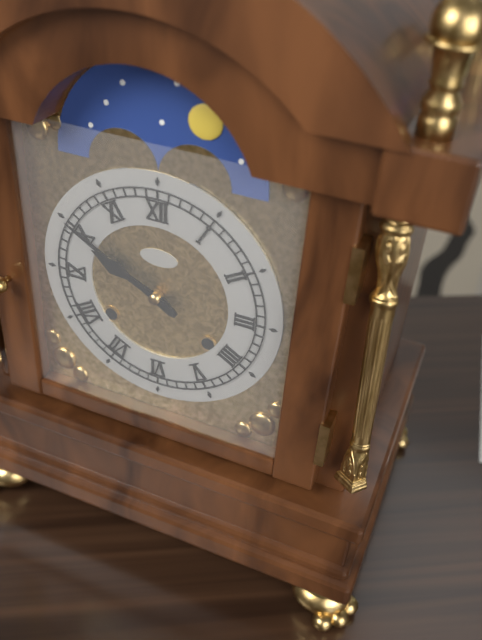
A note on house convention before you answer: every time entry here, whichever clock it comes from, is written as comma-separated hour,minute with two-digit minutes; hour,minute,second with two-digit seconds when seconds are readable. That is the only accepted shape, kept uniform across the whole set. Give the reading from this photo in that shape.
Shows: 9,50
